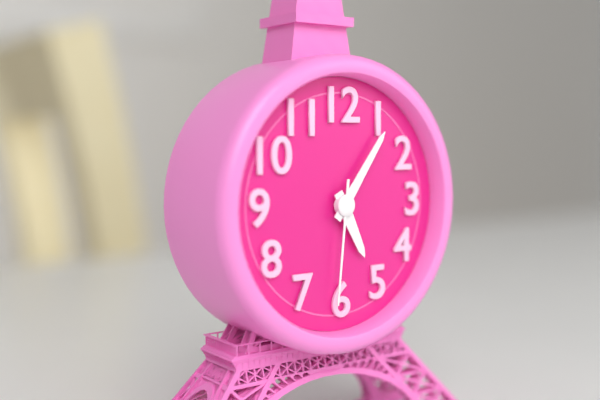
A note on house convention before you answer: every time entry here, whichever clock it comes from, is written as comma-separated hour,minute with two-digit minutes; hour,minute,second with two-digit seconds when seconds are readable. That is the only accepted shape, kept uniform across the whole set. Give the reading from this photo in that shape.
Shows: 5,06,31
